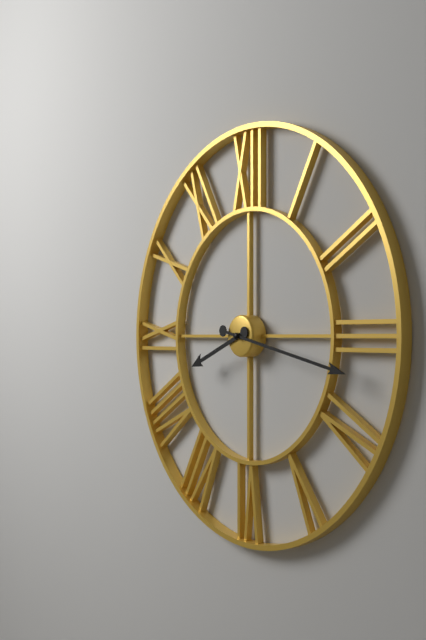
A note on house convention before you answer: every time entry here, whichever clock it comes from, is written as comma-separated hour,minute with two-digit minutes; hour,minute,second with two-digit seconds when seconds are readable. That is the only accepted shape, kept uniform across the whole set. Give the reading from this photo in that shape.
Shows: 8,17
